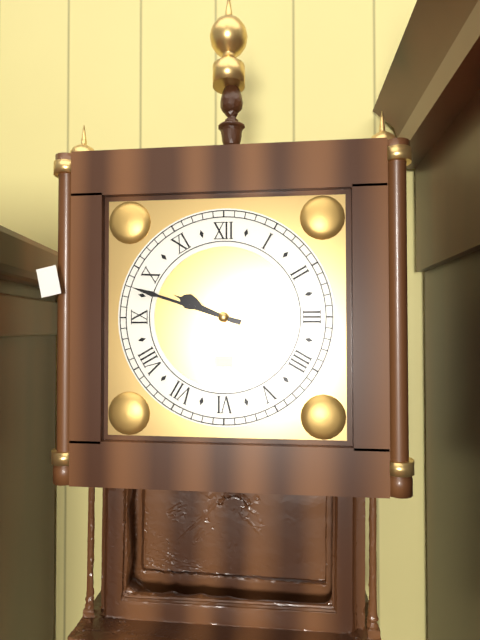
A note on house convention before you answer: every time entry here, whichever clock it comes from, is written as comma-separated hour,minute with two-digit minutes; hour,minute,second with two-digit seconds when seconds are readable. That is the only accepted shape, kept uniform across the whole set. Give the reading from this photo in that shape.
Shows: 9,48
